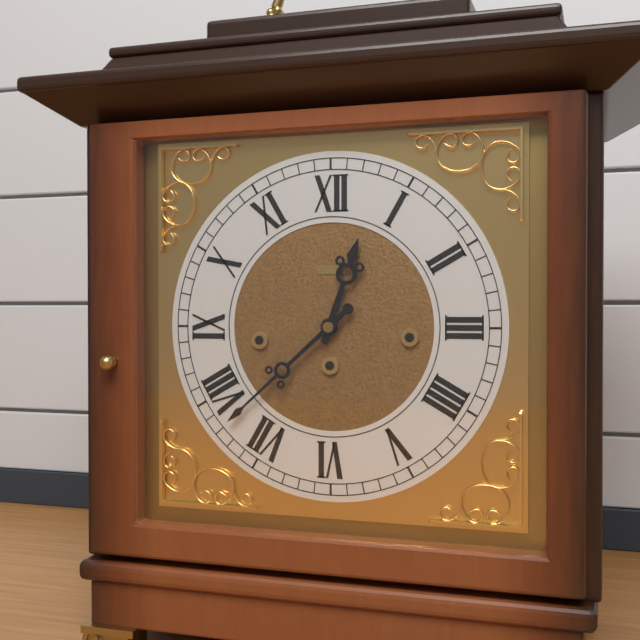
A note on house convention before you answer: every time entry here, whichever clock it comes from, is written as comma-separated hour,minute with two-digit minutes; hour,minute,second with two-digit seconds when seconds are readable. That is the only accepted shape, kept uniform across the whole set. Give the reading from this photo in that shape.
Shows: 12,38
